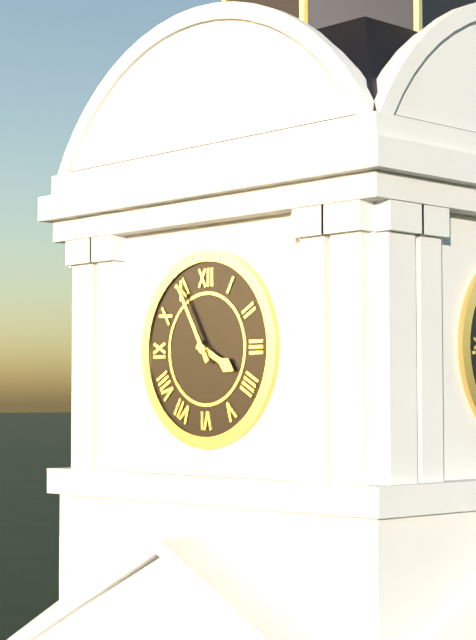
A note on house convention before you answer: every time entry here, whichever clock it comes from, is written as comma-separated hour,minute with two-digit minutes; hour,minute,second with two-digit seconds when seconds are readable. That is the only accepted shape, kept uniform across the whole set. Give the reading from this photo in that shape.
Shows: 3,55
